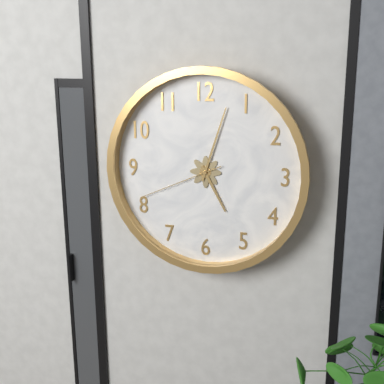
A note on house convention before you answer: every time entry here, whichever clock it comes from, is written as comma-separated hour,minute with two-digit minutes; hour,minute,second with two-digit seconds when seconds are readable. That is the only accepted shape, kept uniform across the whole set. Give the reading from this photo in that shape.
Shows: 5,03,41
